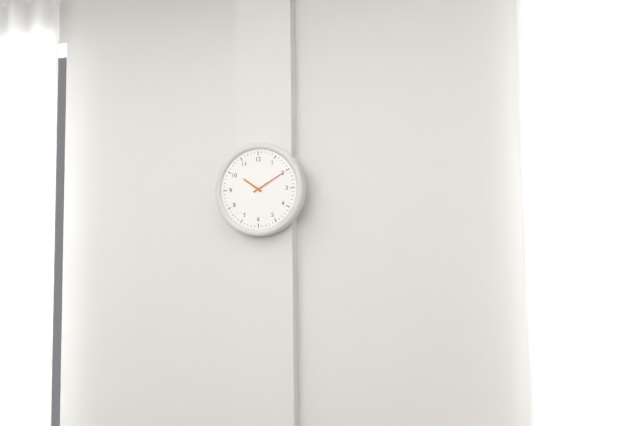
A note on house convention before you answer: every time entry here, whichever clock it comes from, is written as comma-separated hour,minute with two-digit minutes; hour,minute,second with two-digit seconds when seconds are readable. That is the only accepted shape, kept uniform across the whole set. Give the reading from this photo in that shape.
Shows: 10,10
